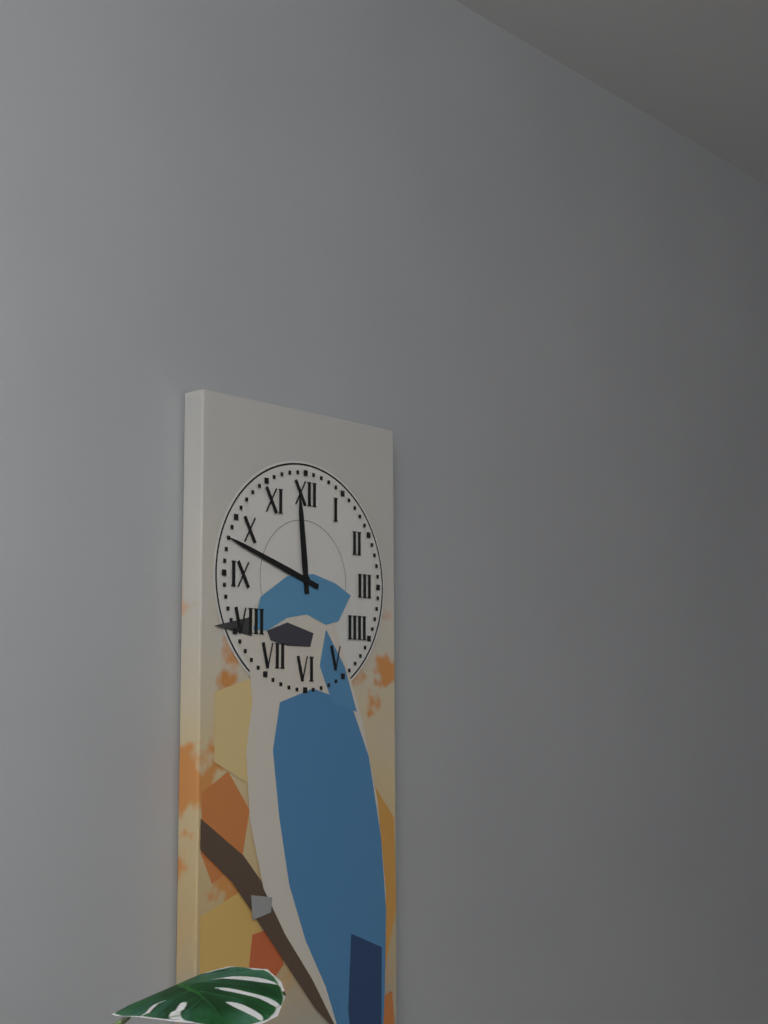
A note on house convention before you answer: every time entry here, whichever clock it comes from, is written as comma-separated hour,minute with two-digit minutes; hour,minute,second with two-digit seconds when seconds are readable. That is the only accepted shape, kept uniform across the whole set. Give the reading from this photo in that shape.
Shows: 11,48
